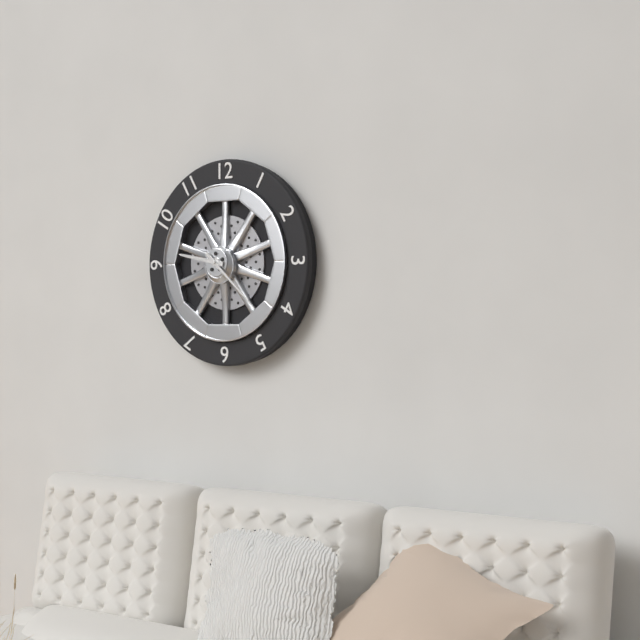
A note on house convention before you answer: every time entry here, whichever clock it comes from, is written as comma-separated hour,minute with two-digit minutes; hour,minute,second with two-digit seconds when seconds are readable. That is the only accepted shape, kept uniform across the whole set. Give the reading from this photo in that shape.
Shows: 9,22
